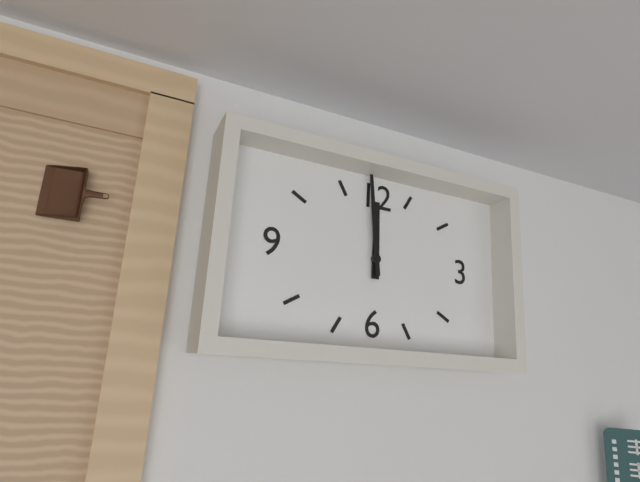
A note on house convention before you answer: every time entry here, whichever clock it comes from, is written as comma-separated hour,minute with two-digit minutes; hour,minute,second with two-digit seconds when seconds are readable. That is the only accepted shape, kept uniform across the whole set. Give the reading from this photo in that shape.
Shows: 11,59
